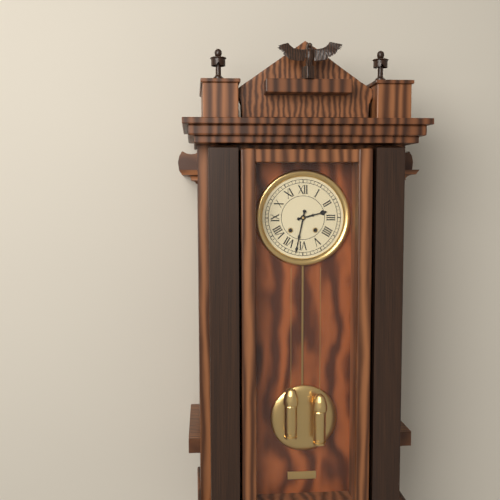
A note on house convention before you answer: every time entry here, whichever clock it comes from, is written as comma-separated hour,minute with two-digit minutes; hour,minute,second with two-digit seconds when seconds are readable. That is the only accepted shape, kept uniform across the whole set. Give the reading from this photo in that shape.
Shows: 2,32
